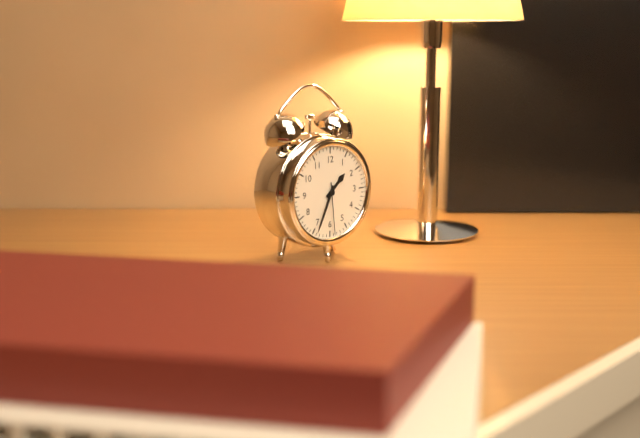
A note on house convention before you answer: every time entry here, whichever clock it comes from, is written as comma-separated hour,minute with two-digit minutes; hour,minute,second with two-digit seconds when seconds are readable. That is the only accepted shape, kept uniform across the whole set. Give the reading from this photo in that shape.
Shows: 1,34,29
